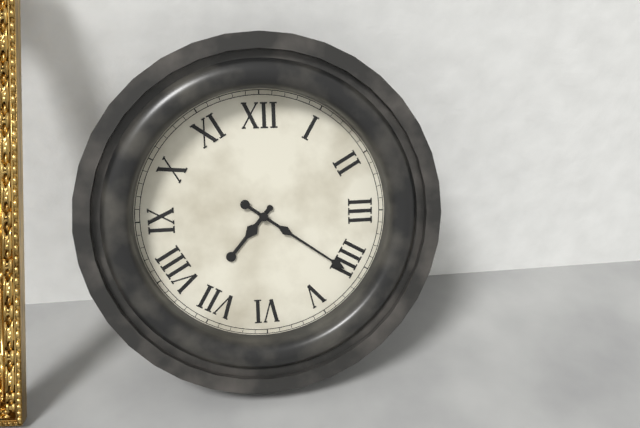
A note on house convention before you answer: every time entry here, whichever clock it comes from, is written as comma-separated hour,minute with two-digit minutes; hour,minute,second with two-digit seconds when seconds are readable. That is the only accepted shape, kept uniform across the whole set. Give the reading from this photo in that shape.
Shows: 7,21
